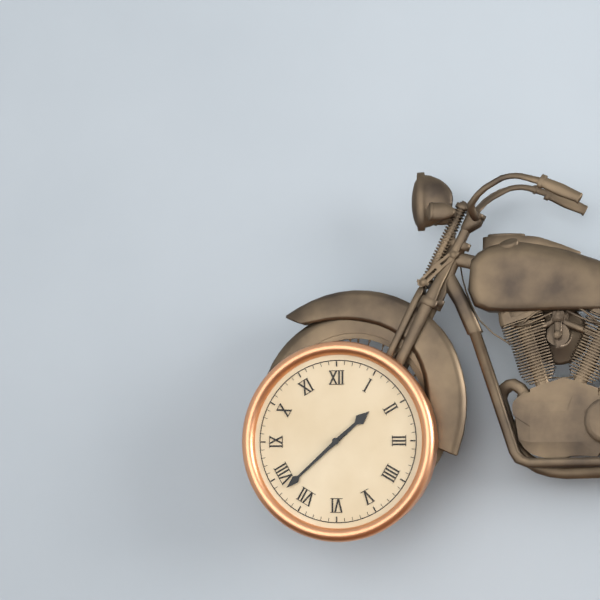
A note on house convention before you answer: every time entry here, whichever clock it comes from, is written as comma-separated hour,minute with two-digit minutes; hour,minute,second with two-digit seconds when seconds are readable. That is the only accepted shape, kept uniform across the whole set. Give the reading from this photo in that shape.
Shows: 1,38
